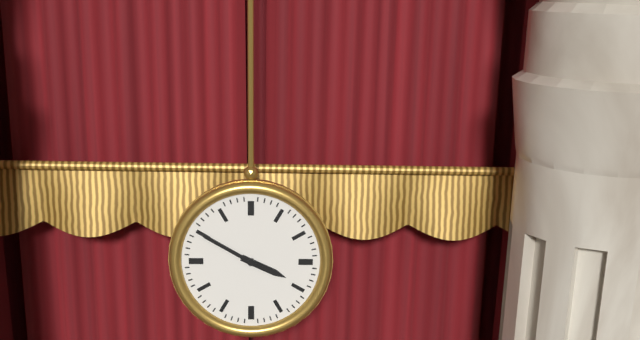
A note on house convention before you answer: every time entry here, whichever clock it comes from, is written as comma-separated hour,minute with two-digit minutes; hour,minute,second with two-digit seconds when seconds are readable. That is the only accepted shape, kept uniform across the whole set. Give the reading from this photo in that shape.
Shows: 3,50
